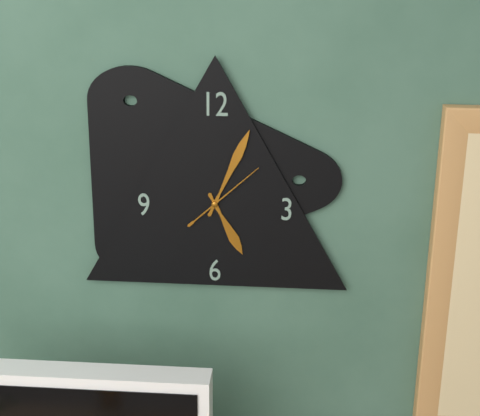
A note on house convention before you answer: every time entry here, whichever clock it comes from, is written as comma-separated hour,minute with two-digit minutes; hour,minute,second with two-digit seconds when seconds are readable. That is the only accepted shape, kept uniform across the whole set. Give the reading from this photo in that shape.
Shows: 5,04,08
